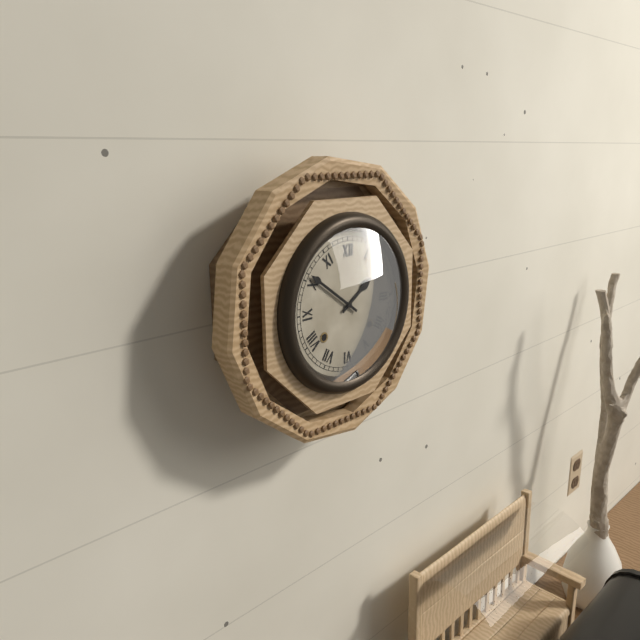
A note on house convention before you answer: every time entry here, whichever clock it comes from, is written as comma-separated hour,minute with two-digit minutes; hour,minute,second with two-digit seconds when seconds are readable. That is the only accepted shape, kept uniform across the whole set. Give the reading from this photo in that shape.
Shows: 1,51
